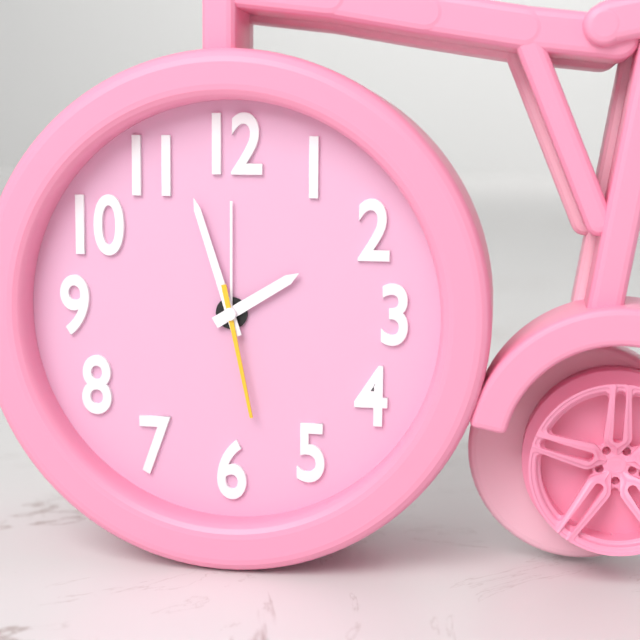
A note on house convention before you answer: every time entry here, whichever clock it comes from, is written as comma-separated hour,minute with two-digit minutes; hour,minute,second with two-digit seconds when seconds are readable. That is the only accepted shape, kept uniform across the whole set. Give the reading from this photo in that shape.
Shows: 1,57,28
